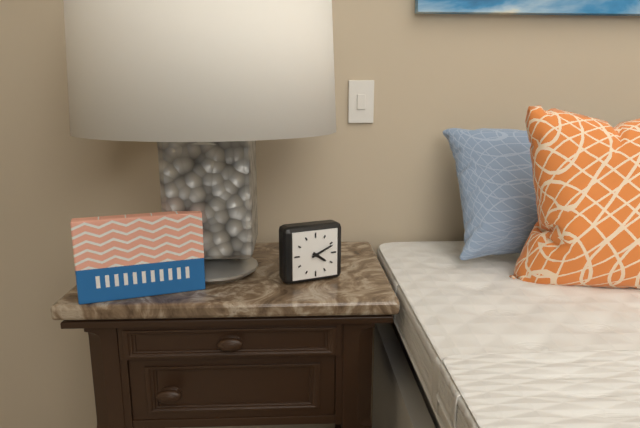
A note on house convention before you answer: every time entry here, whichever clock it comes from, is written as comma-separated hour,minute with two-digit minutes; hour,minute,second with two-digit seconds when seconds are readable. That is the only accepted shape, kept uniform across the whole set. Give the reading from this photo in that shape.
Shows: 4,11
